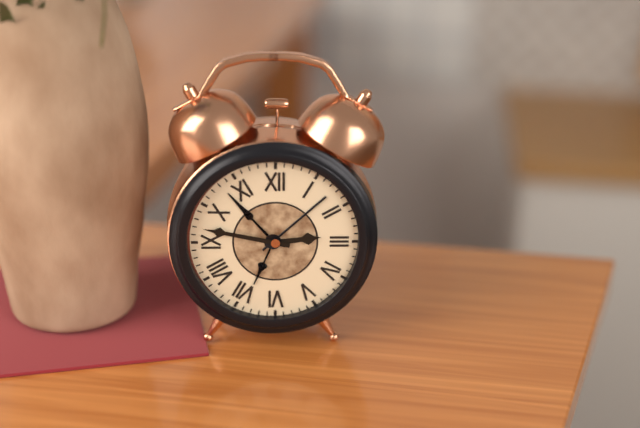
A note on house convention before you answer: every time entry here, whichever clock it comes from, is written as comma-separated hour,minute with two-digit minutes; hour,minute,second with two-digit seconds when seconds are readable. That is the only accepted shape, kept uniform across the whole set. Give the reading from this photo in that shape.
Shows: 2,47
